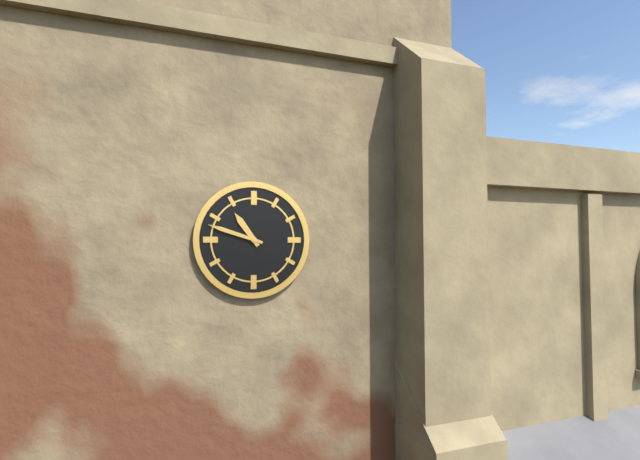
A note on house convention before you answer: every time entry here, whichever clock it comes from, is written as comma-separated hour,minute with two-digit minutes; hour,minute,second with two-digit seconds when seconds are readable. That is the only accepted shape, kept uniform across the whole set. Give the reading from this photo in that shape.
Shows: 10,48
